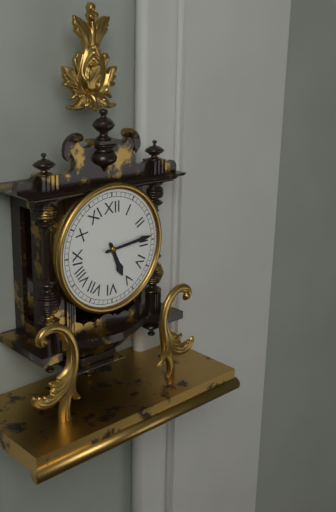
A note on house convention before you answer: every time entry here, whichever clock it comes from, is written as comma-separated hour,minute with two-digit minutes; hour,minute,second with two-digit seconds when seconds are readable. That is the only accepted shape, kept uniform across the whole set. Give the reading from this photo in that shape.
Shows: 5,14
